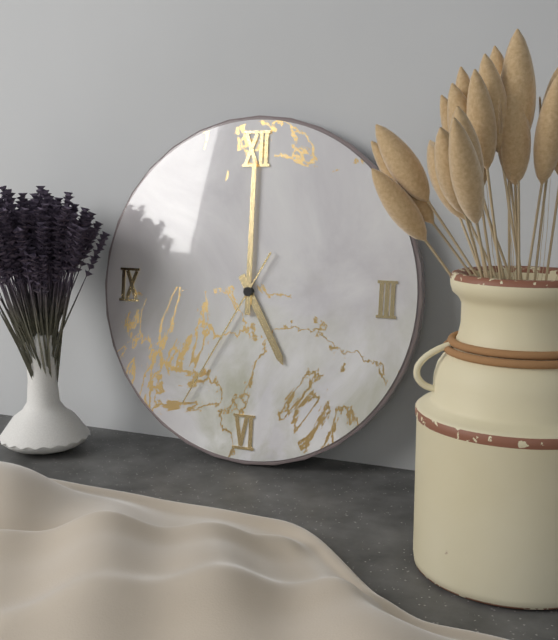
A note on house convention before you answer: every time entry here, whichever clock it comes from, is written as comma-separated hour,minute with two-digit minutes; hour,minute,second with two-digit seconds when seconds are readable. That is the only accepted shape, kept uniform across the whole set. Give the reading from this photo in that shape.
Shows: 5,00,35
